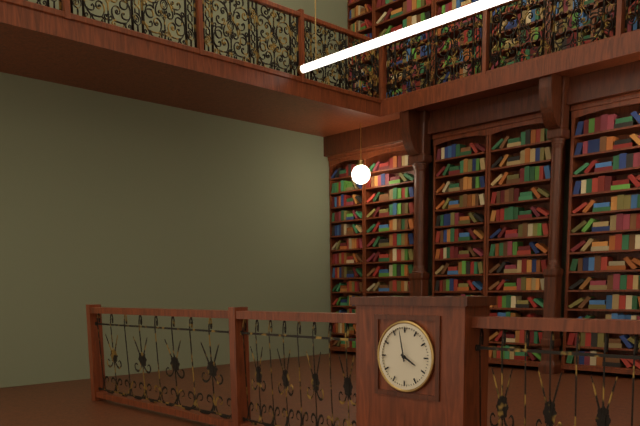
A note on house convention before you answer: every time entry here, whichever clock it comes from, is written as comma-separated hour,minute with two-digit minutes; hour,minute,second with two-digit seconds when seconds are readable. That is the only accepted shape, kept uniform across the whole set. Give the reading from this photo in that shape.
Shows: 3,58
